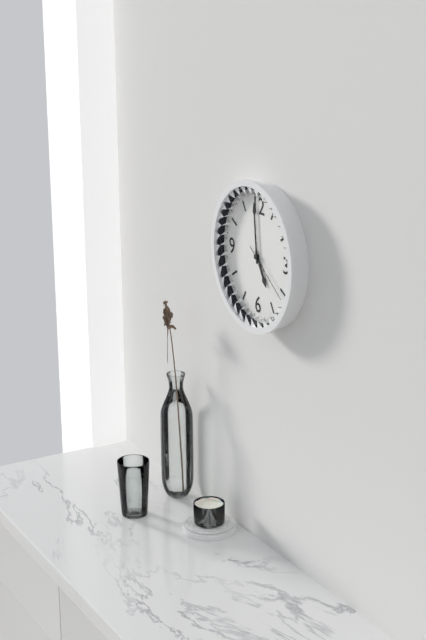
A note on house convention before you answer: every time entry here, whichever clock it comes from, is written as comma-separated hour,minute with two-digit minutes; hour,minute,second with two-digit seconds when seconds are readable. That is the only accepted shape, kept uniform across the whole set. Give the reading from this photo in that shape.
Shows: 4,59,21
